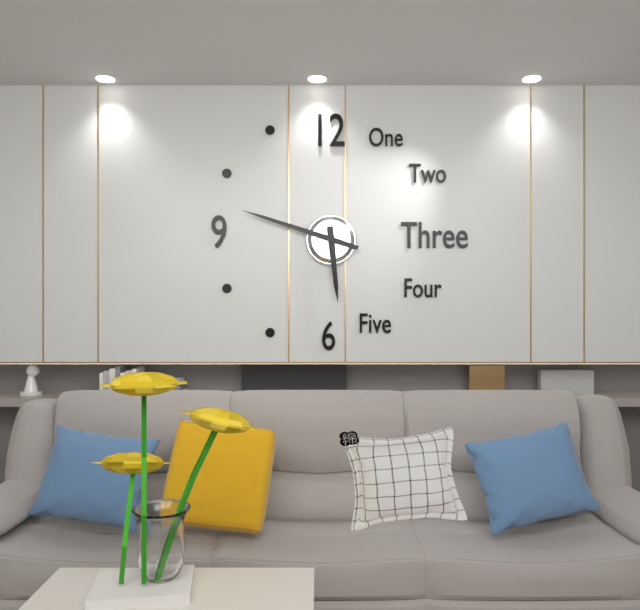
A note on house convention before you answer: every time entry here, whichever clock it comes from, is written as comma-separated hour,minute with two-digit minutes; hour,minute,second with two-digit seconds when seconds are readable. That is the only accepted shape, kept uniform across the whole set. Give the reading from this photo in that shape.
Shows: 5,48
